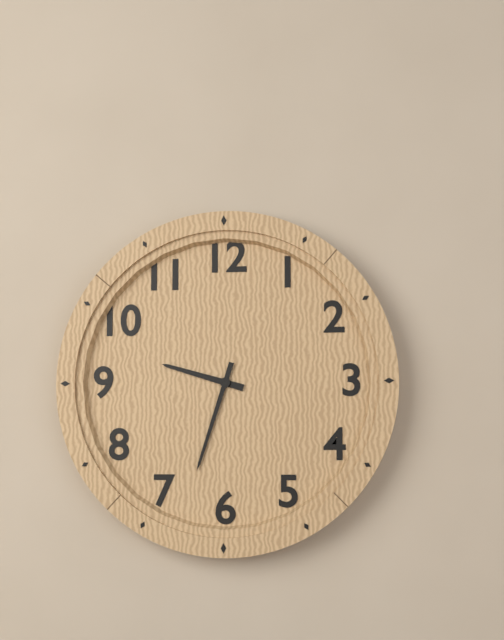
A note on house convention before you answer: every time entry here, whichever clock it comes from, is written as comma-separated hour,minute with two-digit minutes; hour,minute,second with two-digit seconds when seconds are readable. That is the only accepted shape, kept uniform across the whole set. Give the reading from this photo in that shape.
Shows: 9,33
